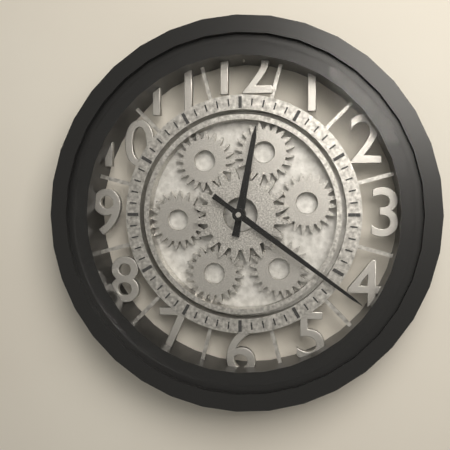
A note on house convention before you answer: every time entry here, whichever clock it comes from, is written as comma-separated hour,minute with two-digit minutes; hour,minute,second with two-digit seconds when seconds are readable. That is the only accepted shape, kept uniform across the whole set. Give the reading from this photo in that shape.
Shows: 12,21
